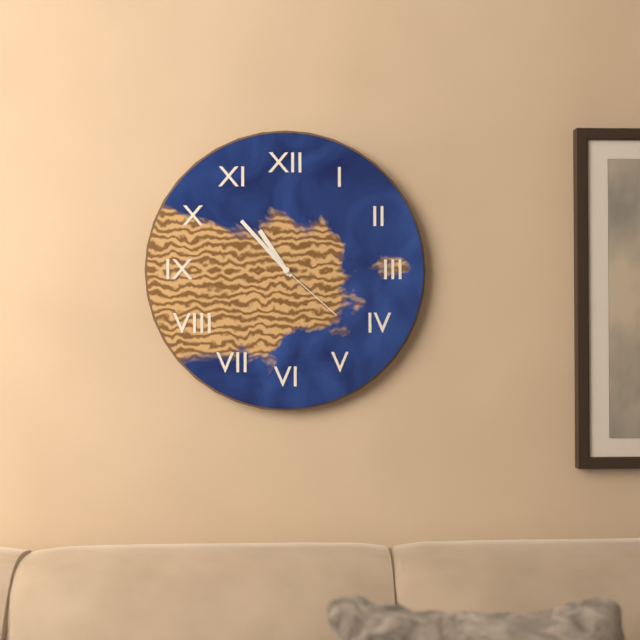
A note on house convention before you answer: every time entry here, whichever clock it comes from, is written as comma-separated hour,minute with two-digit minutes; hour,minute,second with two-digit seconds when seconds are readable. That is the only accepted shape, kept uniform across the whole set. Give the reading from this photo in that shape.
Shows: 10,53,22
